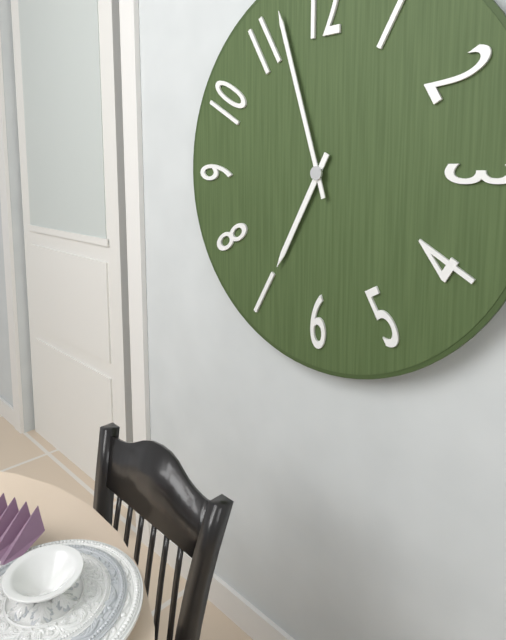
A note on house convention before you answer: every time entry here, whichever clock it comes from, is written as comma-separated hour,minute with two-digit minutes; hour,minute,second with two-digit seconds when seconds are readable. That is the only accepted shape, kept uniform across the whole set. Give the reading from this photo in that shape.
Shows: 6,57
